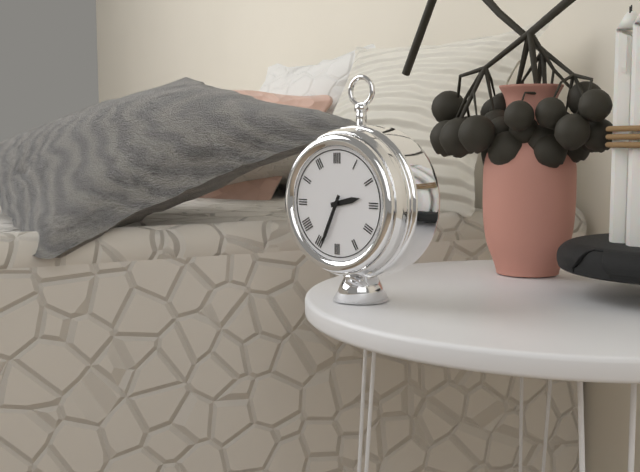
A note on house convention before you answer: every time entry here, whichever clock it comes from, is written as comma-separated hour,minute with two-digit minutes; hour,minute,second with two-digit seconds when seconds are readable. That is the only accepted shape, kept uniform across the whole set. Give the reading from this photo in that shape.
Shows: 2,34
